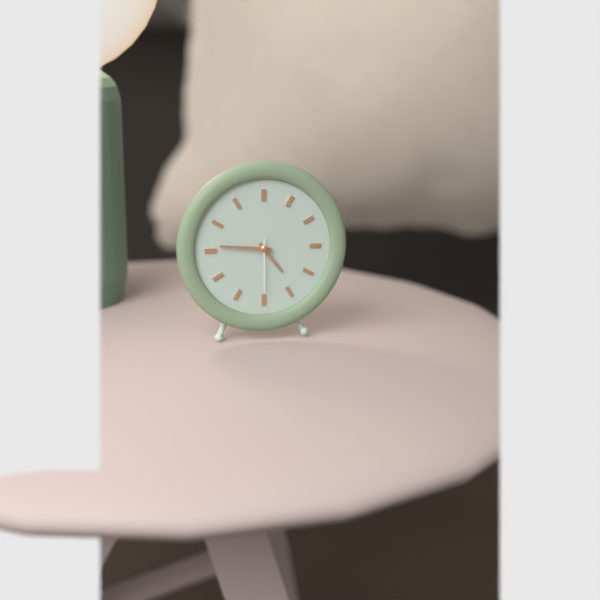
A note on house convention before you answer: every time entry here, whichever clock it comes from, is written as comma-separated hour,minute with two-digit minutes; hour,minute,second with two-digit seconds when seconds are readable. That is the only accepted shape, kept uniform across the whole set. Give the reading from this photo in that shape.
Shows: 4,46,30
